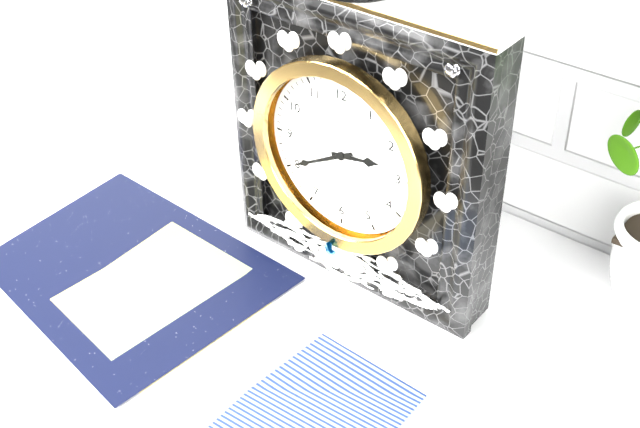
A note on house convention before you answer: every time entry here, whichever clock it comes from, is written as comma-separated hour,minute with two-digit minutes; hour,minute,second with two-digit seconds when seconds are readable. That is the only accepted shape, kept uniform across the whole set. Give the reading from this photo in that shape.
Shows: 2,40
